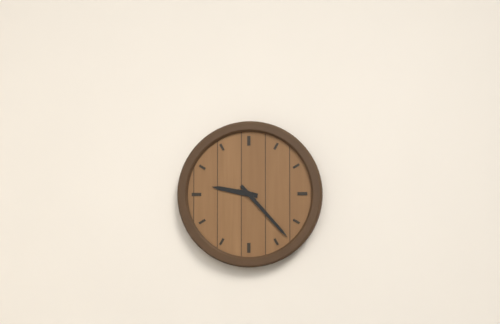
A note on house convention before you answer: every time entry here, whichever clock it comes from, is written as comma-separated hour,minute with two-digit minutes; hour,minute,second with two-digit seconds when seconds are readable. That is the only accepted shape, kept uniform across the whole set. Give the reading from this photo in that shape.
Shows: 9,23
